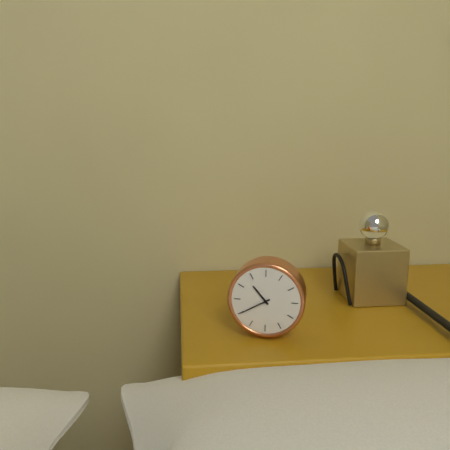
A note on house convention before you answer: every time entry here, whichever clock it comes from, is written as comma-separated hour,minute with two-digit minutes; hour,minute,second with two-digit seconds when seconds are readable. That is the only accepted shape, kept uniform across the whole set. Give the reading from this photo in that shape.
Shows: 10,40
